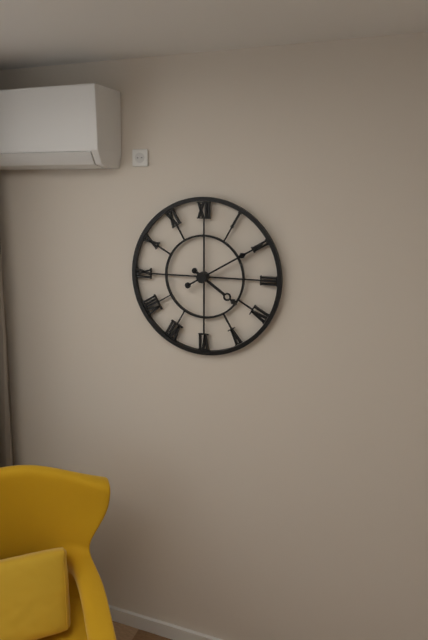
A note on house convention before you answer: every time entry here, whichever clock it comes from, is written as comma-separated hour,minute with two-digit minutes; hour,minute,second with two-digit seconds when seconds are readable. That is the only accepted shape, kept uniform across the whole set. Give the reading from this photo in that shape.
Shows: 4,10
